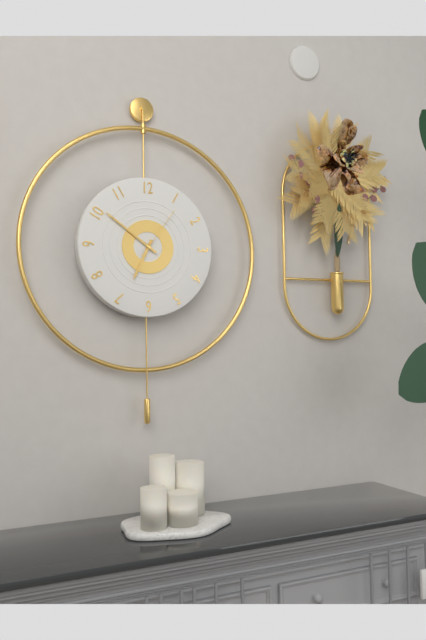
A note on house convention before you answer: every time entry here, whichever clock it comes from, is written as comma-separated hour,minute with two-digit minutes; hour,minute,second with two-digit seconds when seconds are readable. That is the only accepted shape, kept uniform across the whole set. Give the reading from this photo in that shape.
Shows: 6,51,06
